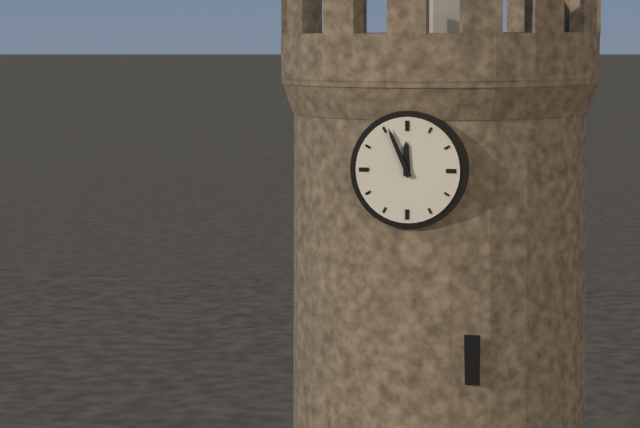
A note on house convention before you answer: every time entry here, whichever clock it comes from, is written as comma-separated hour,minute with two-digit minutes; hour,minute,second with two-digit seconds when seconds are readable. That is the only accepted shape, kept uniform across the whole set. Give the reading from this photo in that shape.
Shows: 11,56
